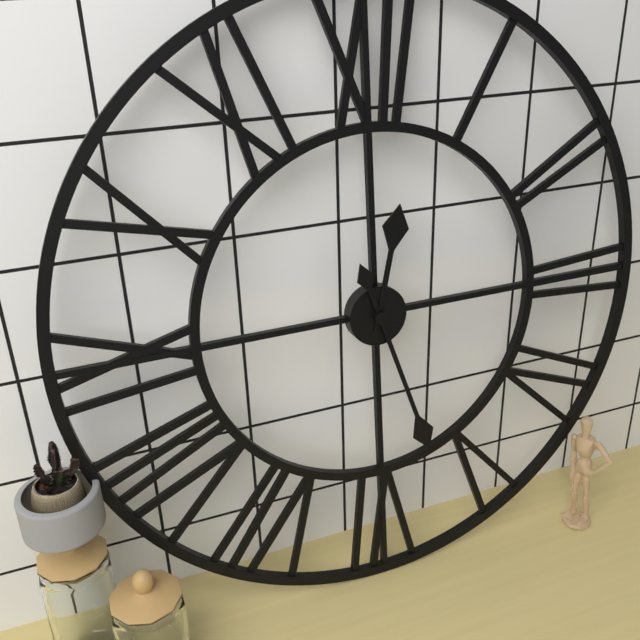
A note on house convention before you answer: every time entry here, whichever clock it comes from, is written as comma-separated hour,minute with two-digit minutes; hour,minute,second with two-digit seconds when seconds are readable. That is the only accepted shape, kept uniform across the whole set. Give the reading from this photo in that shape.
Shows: 12,27
